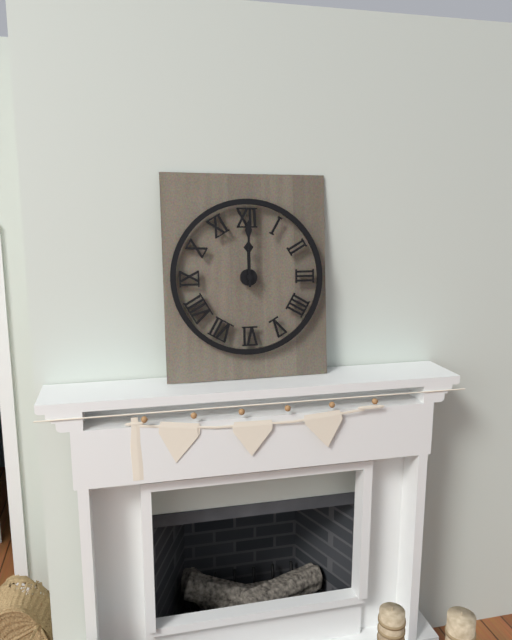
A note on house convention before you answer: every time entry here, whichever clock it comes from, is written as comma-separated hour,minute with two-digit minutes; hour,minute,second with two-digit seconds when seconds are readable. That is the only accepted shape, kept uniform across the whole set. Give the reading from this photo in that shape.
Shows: 12,00
